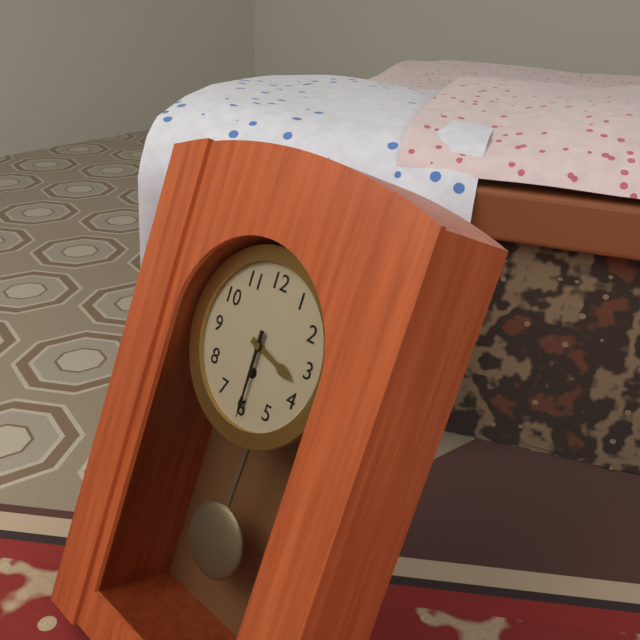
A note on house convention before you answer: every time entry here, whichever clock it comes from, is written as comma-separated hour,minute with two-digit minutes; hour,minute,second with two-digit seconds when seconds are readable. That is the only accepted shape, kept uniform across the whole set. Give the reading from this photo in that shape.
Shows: 3,30
